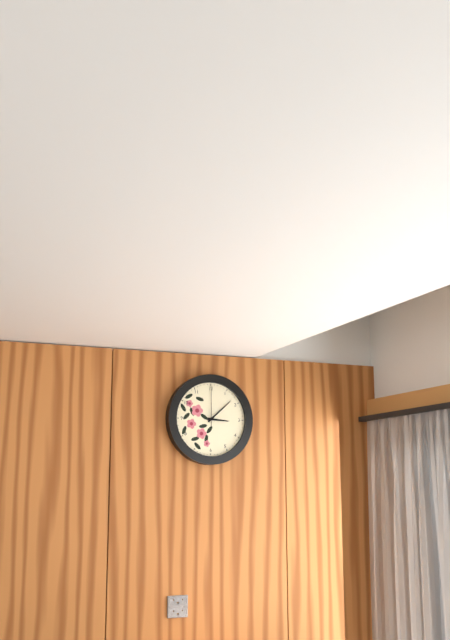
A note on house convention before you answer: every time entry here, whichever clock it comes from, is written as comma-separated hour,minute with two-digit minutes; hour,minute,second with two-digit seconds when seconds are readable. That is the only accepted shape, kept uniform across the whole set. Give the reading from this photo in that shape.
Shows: 3,08
